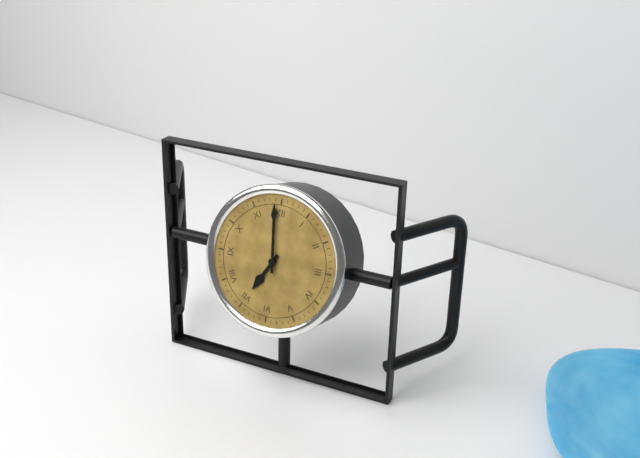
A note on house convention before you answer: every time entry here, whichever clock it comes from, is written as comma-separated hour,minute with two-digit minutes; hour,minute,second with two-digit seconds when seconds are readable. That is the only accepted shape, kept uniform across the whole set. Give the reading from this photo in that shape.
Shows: 6,59
